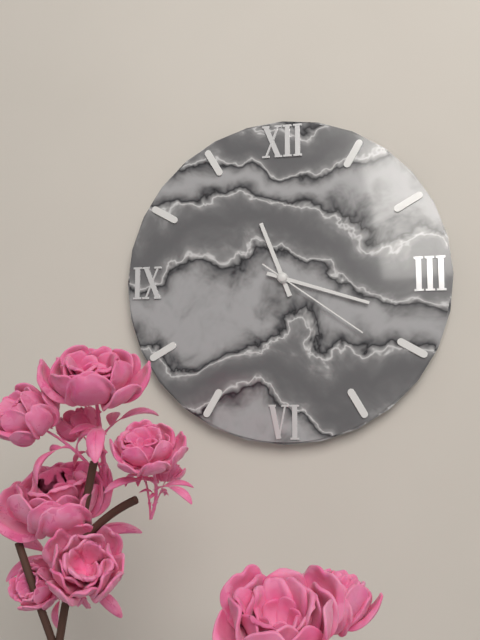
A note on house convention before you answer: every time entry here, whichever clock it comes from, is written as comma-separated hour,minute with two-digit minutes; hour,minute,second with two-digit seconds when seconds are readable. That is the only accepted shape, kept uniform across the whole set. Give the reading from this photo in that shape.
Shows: 11,18,21
